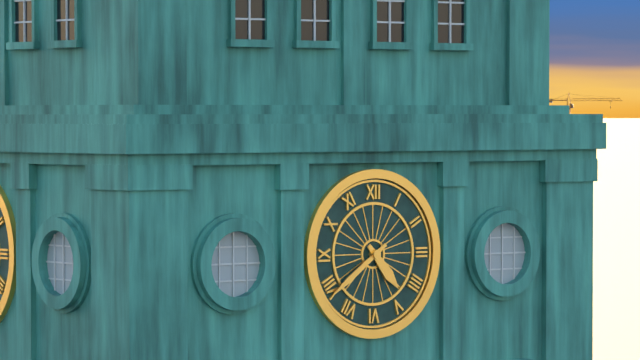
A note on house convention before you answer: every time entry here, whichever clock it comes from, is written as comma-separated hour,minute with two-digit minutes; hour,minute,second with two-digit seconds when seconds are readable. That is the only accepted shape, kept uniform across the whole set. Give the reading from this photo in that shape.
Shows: 4,39
